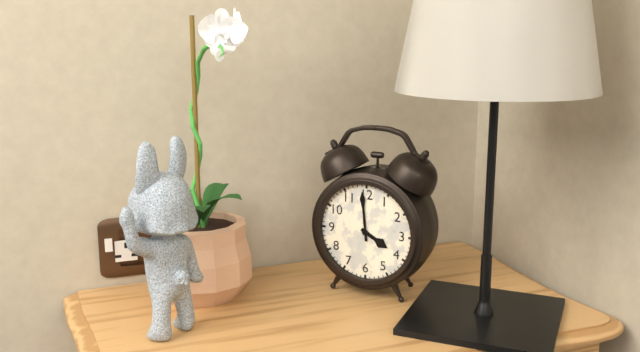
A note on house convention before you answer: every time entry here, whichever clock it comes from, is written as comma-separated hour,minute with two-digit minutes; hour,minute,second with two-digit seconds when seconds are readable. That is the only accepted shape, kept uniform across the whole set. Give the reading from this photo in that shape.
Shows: 3,59
